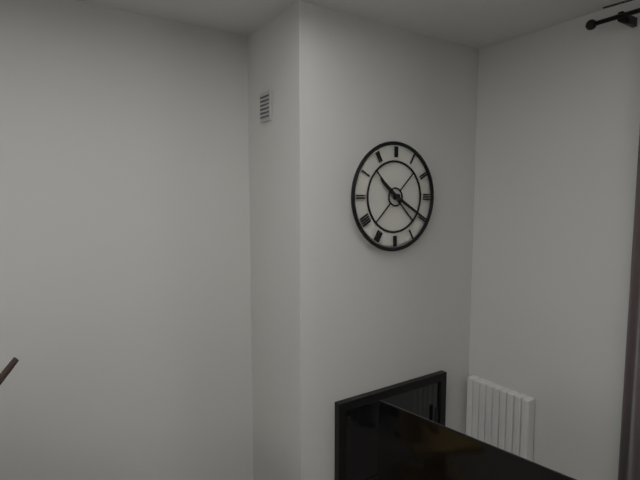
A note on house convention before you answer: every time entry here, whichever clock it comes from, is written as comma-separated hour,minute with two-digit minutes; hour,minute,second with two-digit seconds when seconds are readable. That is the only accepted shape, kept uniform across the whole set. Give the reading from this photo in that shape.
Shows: 10,20
